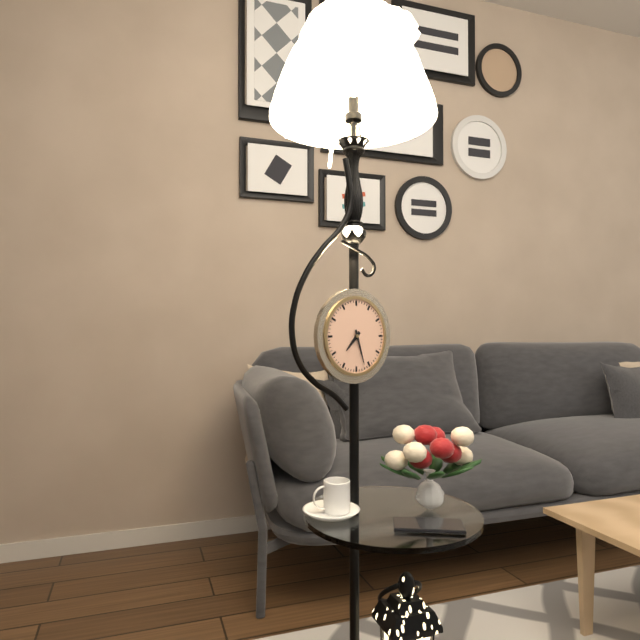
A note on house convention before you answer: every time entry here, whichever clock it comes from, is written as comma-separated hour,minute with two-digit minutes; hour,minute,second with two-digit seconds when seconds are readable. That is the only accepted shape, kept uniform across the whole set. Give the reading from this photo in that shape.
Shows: 7,27
